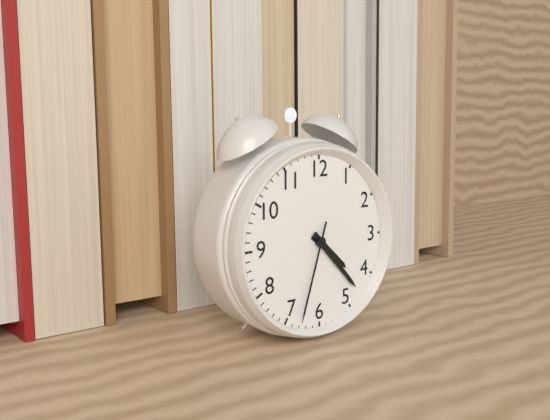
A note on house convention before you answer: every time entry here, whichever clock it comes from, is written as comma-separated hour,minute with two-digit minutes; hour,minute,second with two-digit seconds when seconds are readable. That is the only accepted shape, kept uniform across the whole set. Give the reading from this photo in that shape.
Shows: 4,23,33
